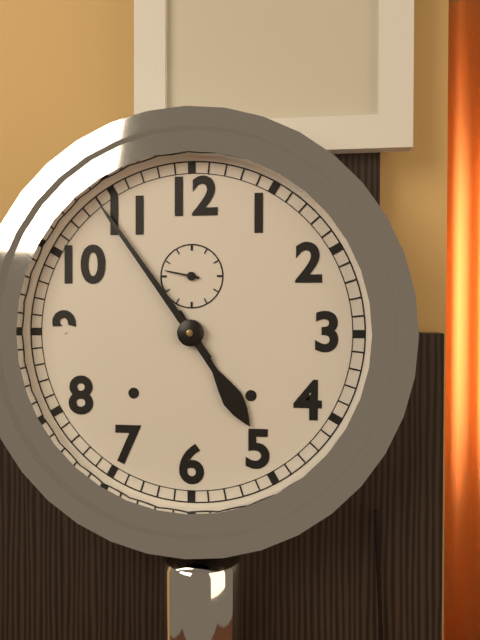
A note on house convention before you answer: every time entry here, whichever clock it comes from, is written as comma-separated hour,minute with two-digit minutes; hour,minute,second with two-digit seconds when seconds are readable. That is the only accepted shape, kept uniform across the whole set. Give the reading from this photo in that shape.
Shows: 4,54
